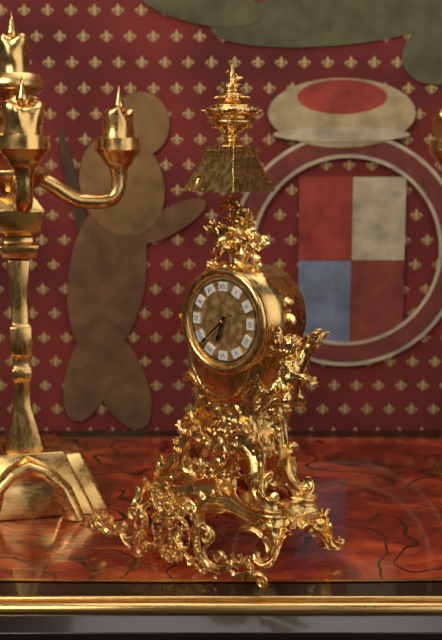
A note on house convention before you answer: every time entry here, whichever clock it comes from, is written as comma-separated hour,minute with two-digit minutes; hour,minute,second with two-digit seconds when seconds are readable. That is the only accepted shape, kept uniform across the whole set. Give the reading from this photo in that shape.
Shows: 6,38
